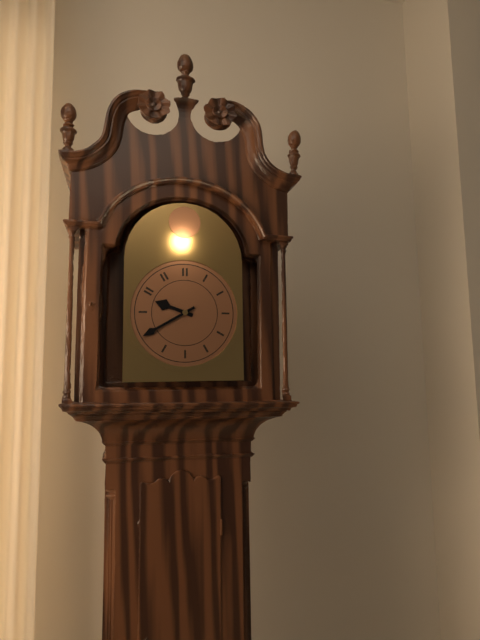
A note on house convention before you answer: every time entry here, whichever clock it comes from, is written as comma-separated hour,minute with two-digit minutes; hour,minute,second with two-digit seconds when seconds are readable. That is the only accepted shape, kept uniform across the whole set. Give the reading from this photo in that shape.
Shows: 9,40
